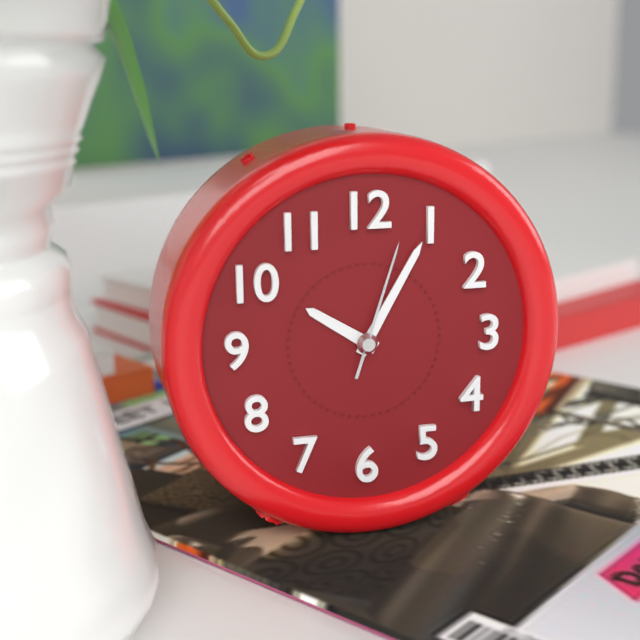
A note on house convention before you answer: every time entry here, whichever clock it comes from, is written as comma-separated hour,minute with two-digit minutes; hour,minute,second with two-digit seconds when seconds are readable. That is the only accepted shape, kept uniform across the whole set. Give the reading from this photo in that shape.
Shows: 10,05,03
